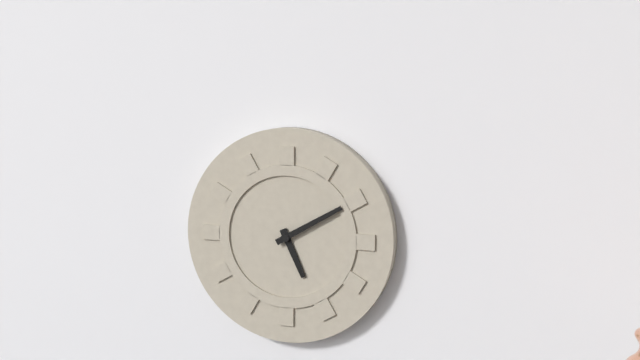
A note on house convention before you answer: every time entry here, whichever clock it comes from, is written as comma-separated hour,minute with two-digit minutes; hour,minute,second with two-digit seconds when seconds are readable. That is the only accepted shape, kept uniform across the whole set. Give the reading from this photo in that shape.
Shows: 5,10
